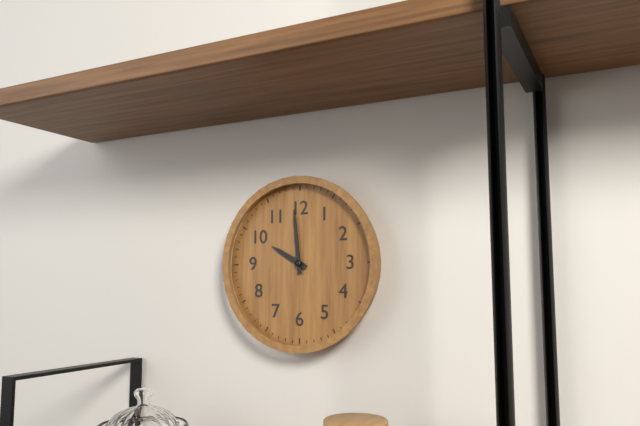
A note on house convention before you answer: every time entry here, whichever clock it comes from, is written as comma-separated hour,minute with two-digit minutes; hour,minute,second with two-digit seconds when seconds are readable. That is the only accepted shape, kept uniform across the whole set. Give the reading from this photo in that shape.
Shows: 9,59
